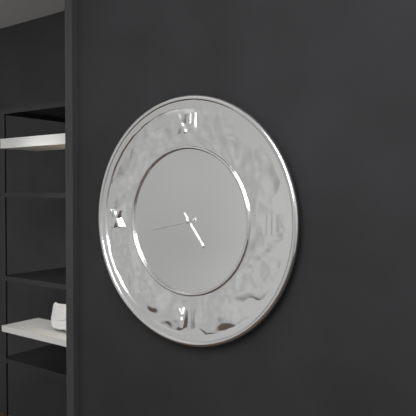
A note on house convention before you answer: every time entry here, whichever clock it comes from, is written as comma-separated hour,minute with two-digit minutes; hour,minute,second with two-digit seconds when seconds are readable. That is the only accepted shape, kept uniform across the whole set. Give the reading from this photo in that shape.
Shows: 4,43
